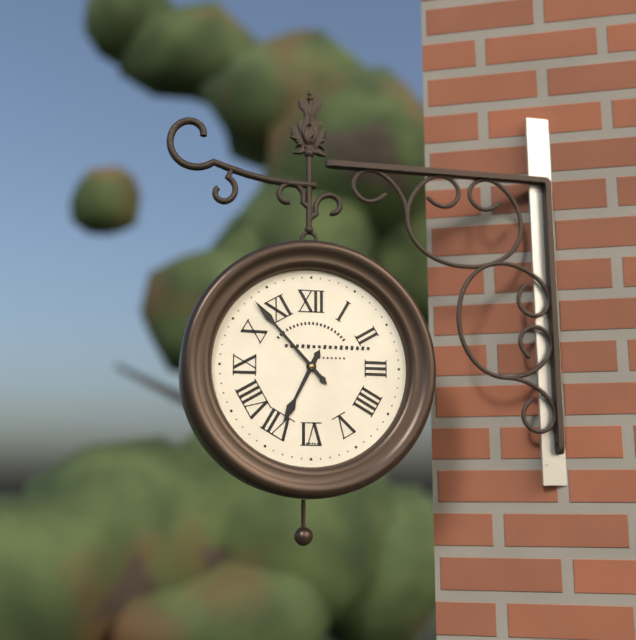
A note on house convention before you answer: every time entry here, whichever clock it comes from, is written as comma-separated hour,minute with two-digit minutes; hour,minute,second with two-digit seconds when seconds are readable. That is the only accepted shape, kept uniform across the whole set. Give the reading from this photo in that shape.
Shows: 6,53
